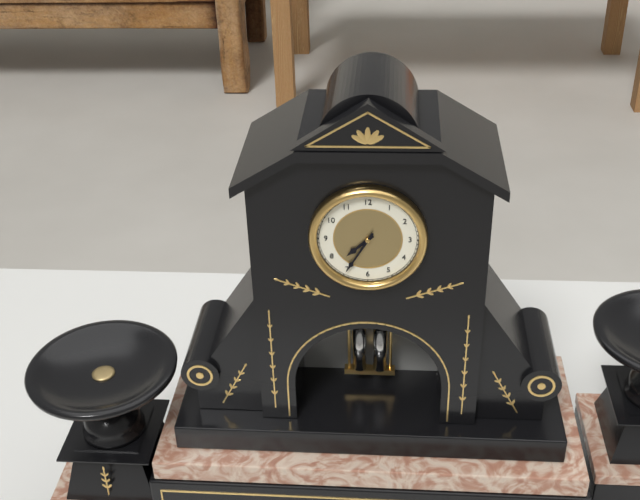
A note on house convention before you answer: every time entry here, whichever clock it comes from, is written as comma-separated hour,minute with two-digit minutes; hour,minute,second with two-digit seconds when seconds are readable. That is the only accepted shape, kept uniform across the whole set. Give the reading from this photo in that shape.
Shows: 7,35
